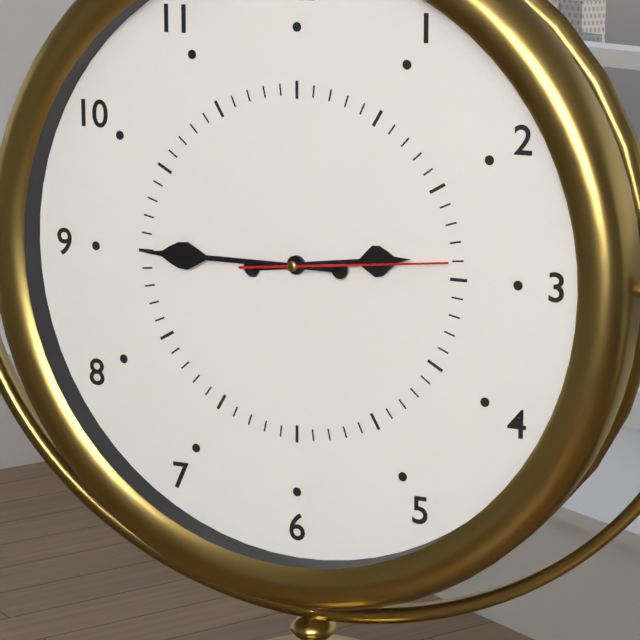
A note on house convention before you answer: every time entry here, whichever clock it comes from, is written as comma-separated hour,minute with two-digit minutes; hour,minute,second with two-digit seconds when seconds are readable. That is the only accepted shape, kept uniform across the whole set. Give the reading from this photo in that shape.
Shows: 2,45,14
